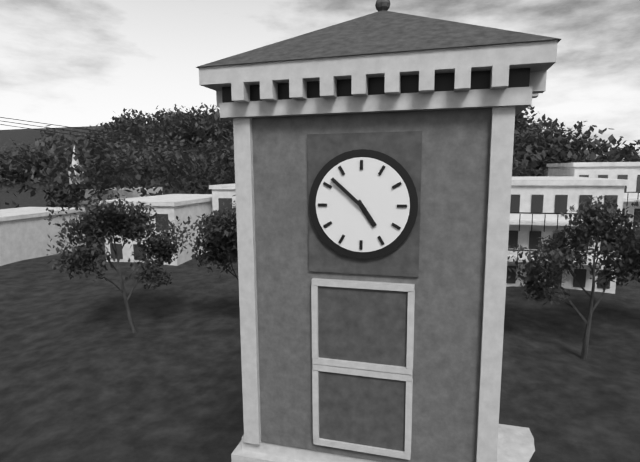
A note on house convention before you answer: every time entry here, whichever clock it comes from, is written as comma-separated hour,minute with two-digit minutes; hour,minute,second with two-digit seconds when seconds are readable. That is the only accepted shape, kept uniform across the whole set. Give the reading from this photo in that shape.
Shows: 4,52
